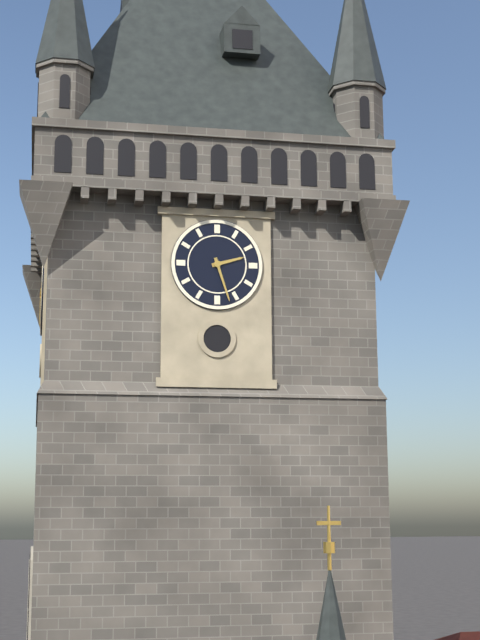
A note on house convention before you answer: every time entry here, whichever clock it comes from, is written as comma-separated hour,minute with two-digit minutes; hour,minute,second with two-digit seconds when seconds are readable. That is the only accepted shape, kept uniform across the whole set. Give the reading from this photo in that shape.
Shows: 2,27
